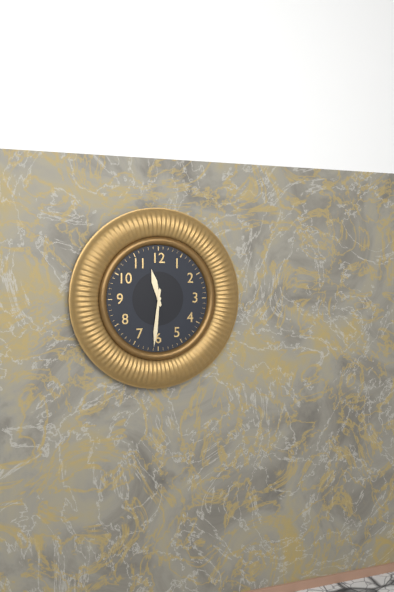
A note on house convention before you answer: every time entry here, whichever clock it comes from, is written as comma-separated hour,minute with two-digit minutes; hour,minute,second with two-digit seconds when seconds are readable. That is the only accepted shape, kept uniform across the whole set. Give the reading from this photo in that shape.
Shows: 11,31
